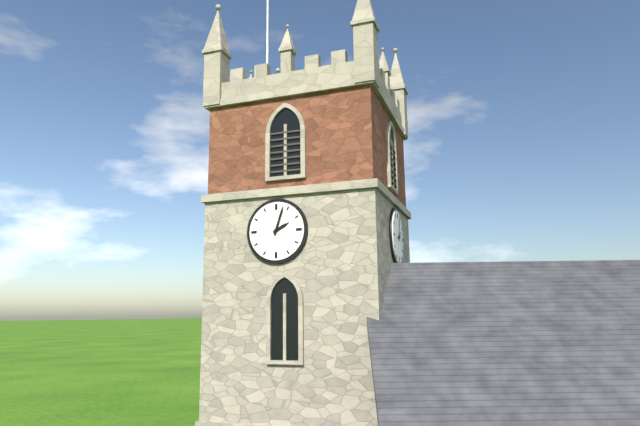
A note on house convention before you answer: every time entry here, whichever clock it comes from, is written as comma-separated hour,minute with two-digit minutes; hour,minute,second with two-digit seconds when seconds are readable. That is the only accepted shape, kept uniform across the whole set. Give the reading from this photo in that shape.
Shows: 2,03
